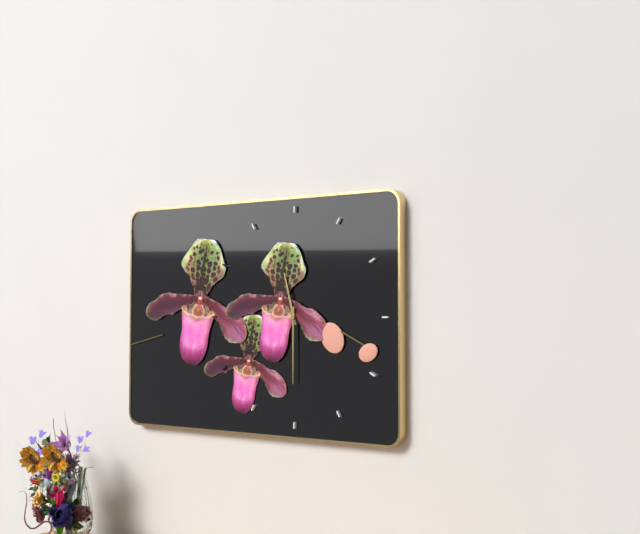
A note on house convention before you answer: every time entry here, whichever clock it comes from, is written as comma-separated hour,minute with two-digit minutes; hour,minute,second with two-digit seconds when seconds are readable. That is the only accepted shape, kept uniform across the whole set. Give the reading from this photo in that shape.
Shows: 11,30
